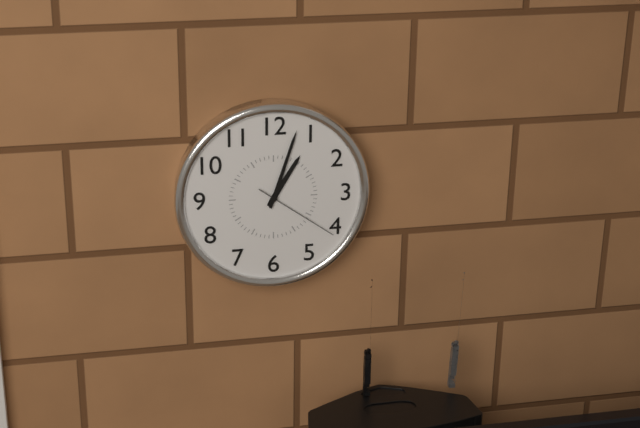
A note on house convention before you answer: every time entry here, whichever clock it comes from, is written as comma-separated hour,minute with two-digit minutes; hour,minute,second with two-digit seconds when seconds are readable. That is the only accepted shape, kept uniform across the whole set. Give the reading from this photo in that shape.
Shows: 1,03,21
